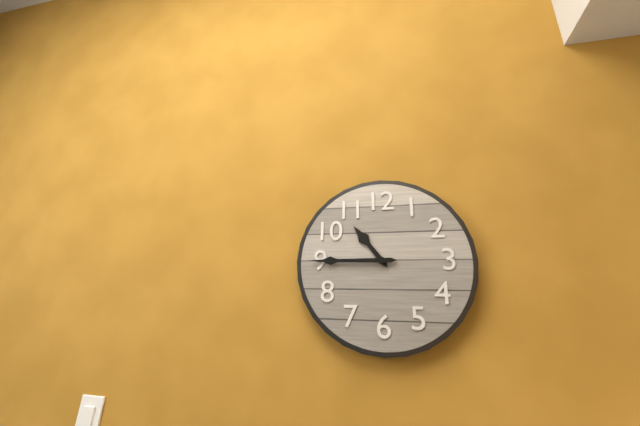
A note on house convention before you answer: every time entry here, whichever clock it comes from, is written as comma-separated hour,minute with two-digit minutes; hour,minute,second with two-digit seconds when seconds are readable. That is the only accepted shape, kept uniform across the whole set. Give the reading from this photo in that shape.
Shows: 10,45
